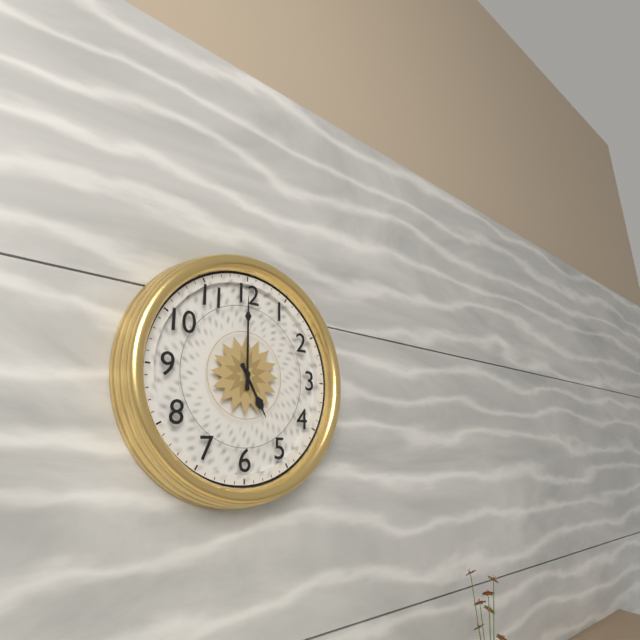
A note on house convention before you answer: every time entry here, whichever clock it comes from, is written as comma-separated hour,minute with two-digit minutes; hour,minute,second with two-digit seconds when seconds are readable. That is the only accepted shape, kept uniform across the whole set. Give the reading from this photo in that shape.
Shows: 5,00
